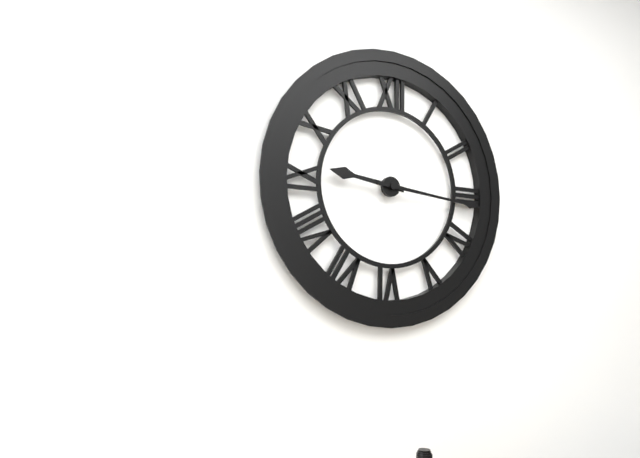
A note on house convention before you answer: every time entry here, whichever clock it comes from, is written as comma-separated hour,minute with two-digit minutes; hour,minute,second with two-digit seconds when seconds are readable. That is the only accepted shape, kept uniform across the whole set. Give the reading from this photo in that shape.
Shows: 9,16
